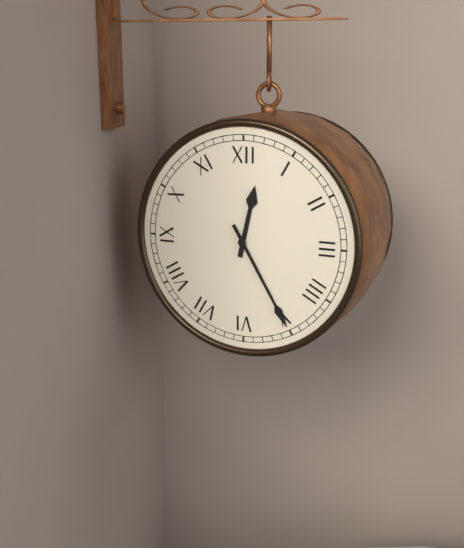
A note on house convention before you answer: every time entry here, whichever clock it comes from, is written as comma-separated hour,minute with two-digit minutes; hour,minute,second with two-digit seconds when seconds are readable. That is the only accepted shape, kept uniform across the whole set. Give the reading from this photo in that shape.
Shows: 12,25
